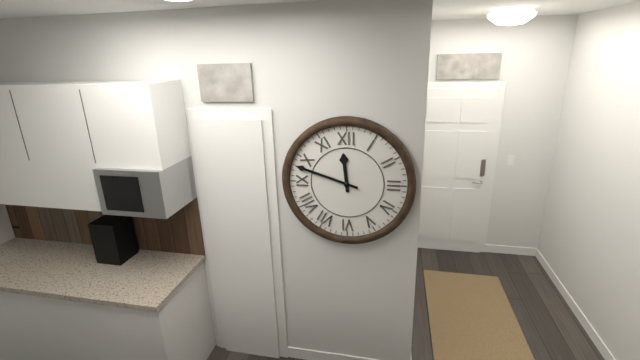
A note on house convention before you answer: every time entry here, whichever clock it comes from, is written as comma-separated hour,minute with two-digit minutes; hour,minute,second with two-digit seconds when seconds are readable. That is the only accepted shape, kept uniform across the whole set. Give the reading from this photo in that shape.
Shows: 11,48
